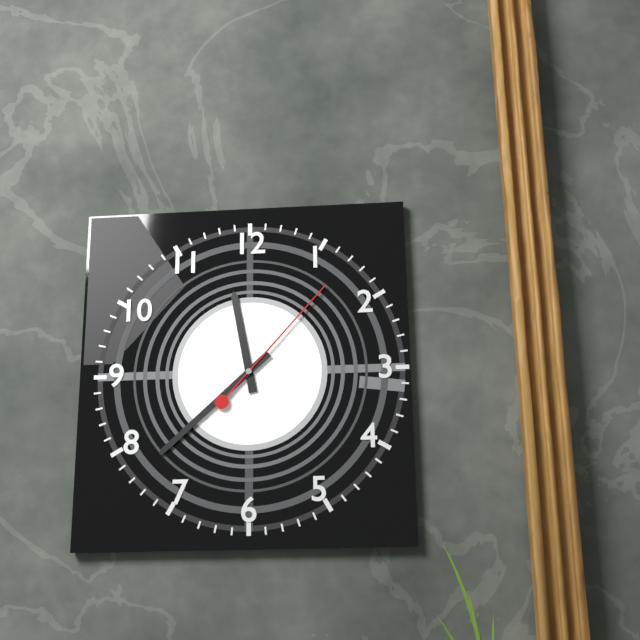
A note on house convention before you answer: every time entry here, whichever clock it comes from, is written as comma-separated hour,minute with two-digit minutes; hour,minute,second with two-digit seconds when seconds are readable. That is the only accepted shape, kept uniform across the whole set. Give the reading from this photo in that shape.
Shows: 11,38,07
